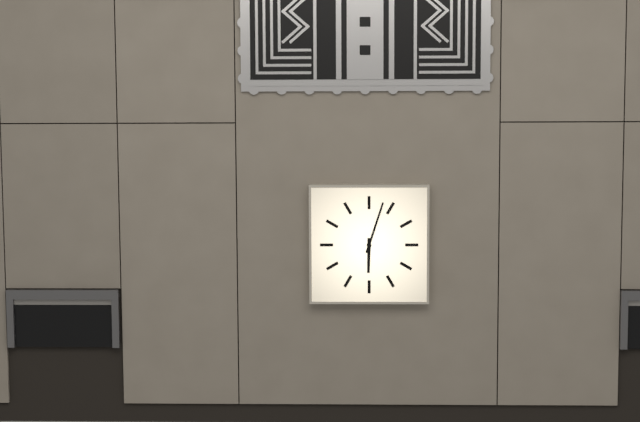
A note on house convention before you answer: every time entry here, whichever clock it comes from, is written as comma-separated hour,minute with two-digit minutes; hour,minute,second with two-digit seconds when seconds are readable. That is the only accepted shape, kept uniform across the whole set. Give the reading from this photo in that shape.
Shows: 6,03
